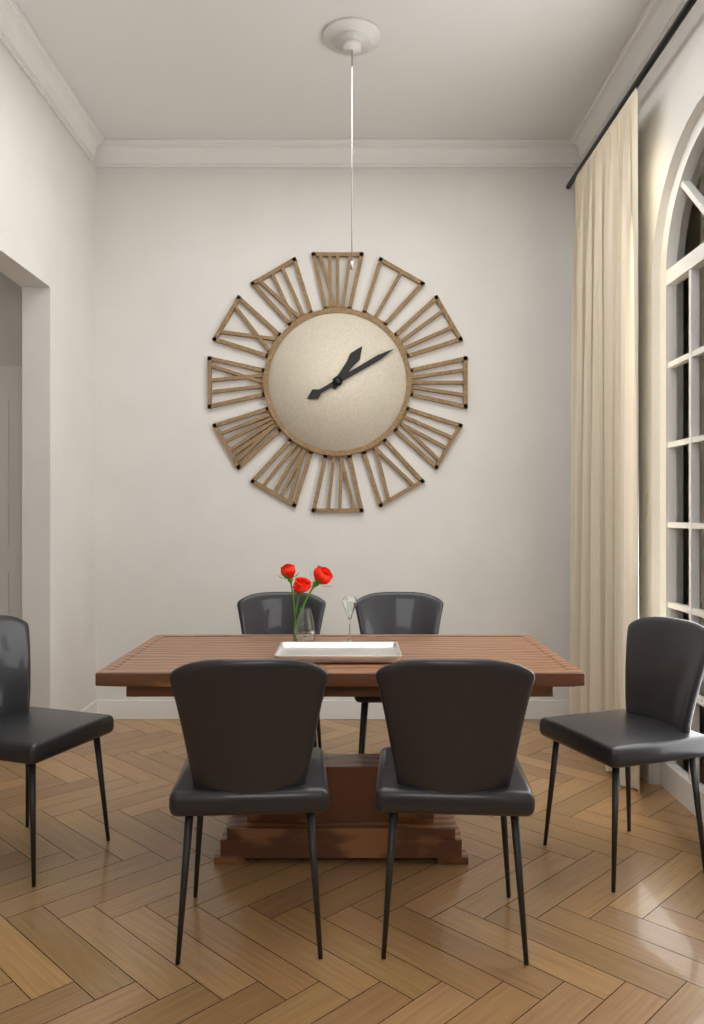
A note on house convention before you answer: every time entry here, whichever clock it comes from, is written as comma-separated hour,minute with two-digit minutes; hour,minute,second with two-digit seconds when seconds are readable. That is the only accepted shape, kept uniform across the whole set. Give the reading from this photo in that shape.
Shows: 1,10
